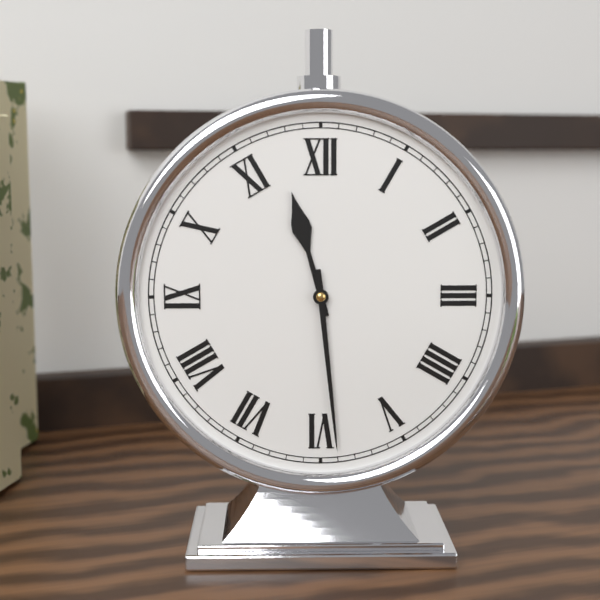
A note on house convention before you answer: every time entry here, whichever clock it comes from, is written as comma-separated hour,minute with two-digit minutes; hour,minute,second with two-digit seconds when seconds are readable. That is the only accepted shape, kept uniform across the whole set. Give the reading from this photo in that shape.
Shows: 11,29
